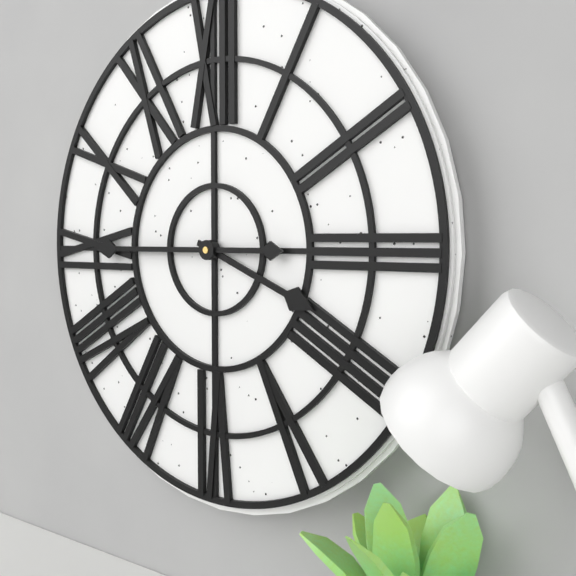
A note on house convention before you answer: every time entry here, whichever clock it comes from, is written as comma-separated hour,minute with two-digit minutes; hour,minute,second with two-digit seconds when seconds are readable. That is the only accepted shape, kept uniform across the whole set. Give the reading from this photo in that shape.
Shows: 3,45
